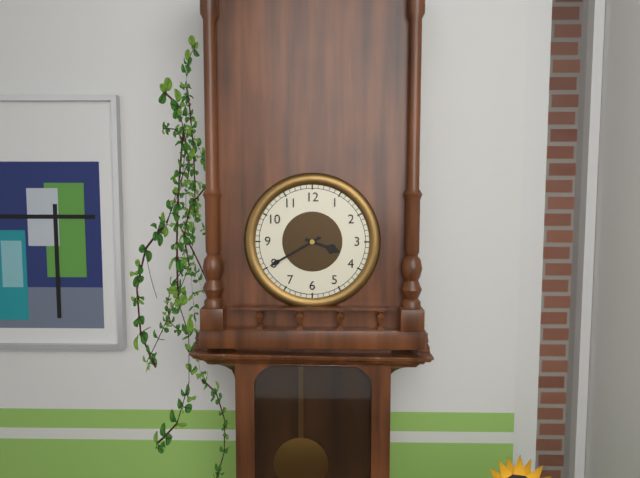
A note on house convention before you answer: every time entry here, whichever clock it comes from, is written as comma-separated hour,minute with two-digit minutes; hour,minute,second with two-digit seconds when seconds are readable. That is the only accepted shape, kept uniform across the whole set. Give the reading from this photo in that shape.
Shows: 3,40
